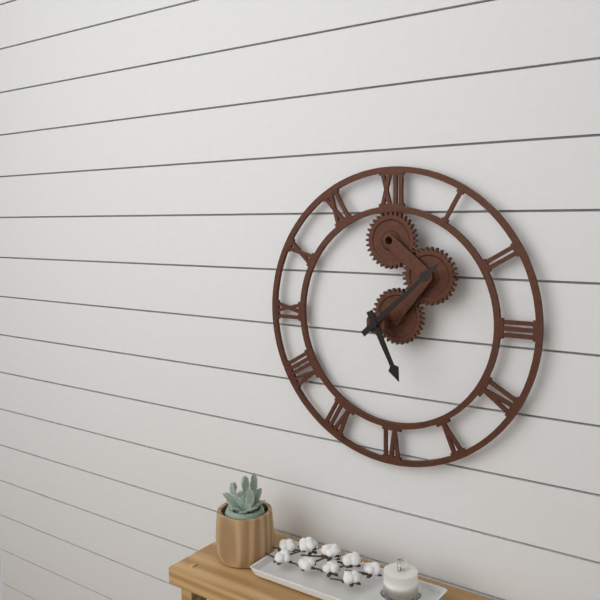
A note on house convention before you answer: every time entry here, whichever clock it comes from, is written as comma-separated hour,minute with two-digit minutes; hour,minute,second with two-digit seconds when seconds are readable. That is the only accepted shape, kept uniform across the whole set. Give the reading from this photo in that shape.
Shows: 5,08
